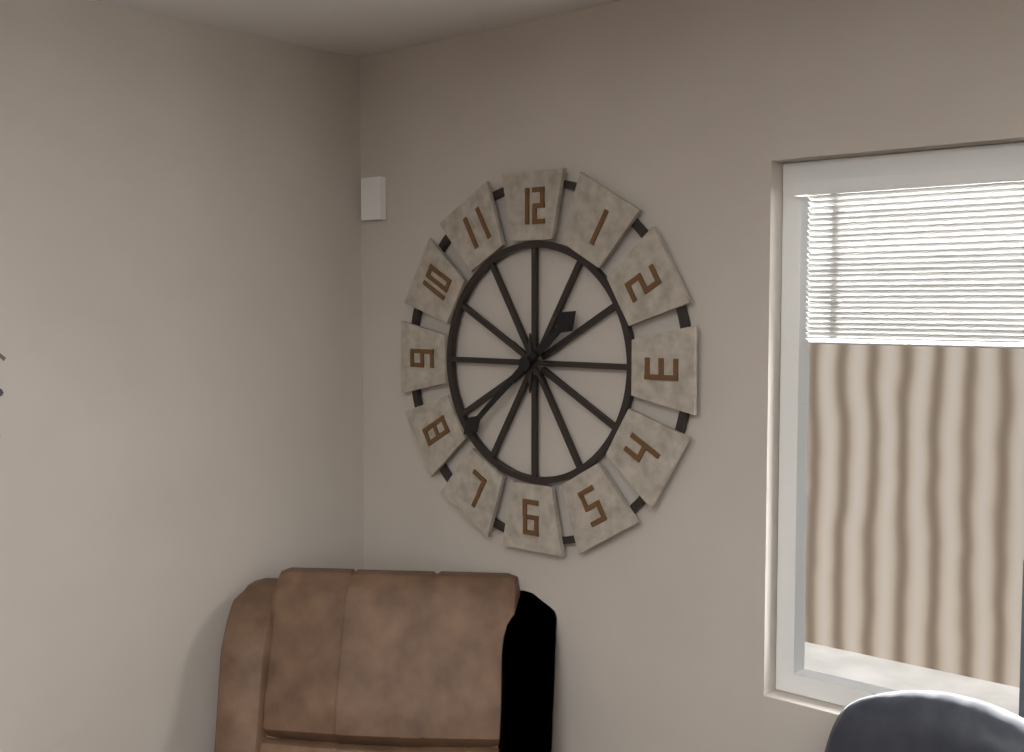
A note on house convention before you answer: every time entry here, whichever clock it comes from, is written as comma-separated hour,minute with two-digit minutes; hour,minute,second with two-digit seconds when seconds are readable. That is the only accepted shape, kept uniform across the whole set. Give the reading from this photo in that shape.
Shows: 1,38
